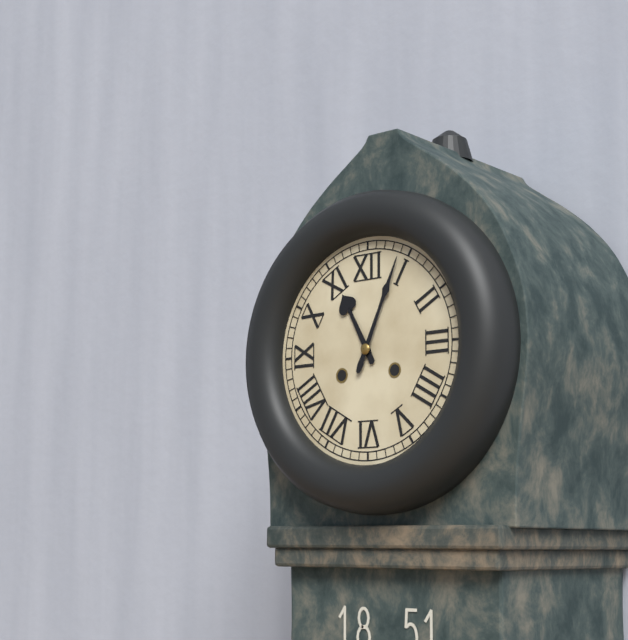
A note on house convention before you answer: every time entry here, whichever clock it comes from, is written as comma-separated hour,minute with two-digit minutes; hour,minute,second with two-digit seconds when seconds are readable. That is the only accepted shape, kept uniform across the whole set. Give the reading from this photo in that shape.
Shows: 11,04
